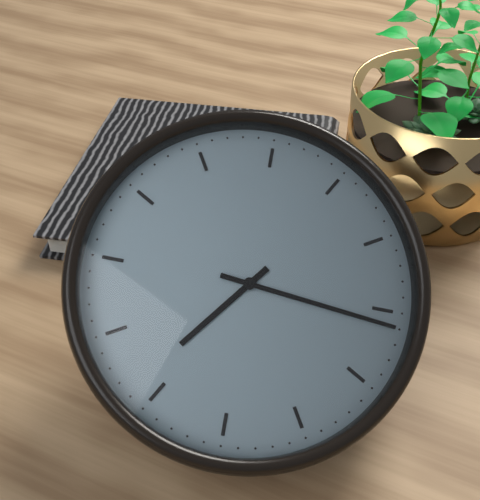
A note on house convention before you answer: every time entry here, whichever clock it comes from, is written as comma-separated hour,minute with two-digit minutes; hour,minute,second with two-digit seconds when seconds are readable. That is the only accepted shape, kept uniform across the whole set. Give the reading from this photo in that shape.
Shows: 7,16
